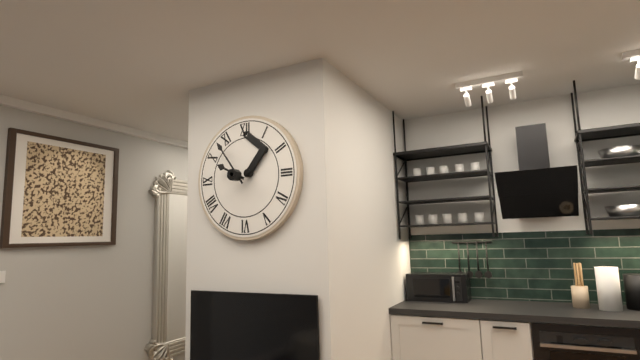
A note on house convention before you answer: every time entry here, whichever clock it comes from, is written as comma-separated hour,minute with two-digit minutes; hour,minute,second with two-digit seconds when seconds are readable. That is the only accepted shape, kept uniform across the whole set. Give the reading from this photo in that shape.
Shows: 9,54
